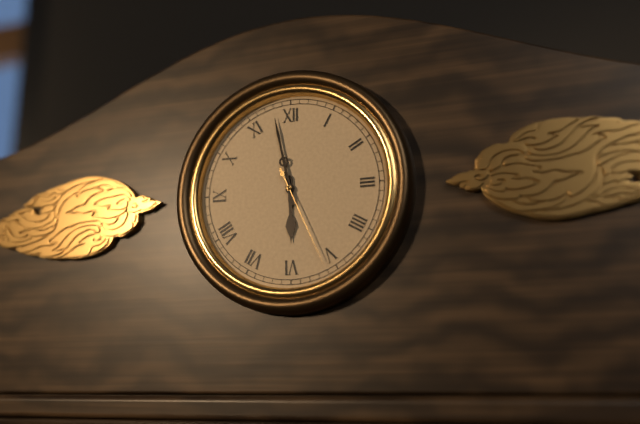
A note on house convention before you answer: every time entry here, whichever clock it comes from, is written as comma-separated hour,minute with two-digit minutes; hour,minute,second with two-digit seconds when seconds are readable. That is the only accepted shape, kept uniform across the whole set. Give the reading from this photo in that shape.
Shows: 5,58,26
